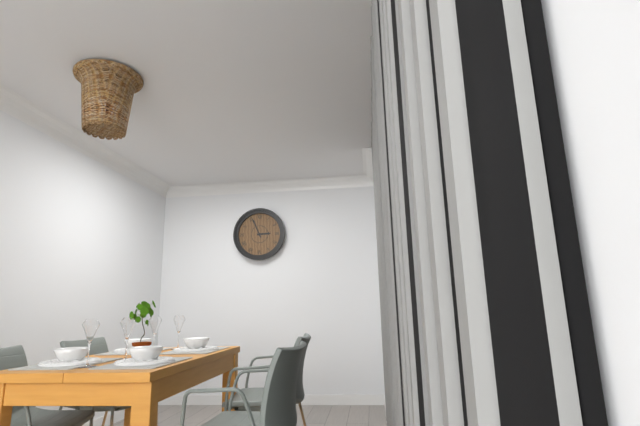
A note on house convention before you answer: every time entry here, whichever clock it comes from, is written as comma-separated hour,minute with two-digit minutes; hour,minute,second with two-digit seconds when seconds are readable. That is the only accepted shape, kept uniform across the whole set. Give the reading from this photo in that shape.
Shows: 2,56
